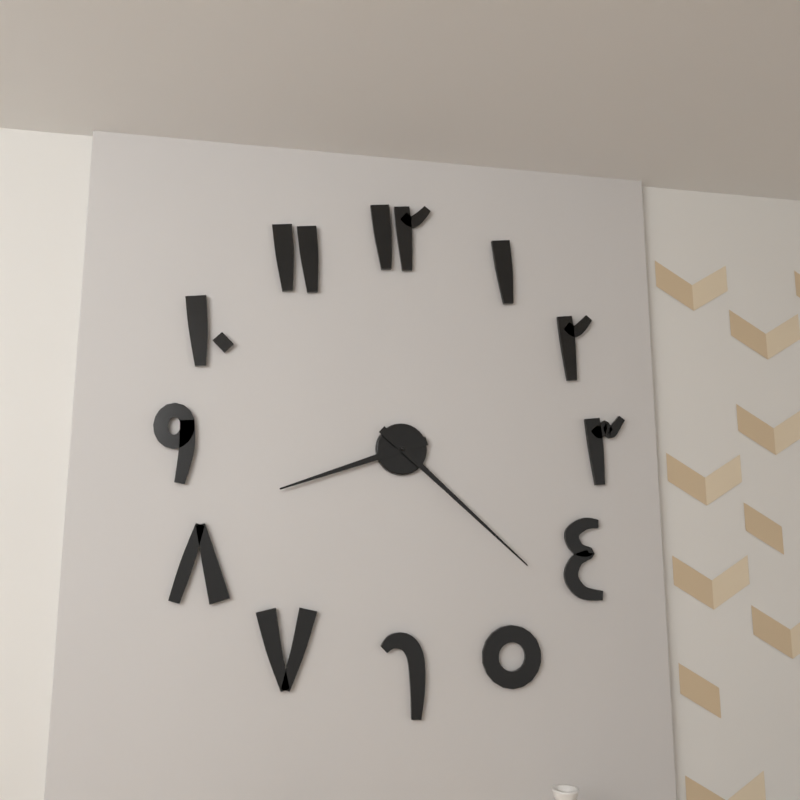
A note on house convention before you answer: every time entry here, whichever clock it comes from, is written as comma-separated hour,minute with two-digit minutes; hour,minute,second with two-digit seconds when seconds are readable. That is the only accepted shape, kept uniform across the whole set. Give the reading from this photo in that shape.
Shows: 8,22
